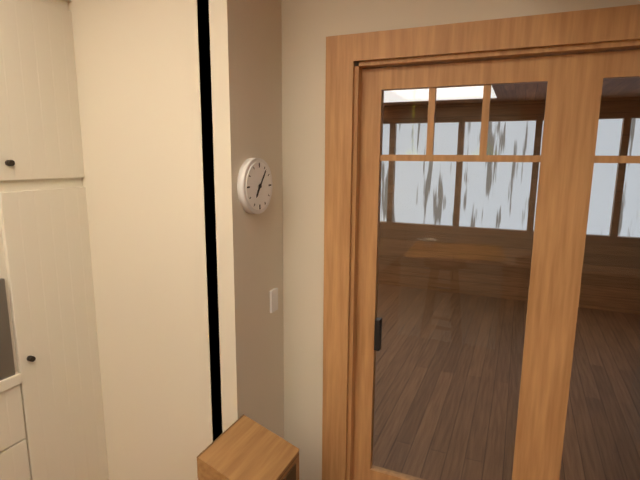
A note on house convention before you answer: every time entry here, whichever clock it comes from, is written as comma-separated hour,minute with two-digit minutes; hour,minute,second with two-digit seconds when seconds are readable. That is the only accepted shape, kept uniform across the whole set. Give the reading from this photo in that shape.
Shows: 7,06
